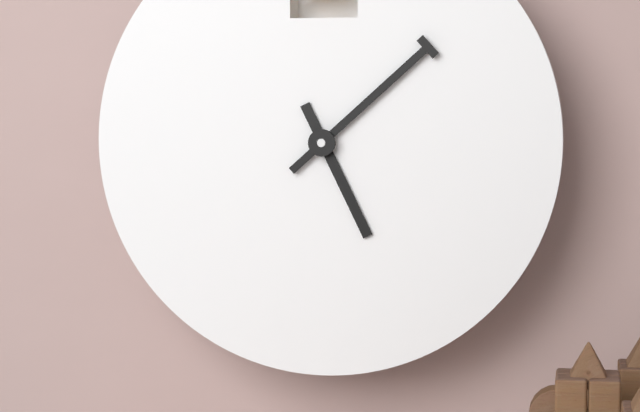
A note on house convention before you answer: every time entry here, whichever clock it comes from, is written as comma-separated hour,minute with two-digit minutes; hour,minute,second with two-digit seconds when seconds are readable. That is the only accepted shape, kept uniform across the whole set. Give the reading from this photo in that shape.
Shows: 5,08
